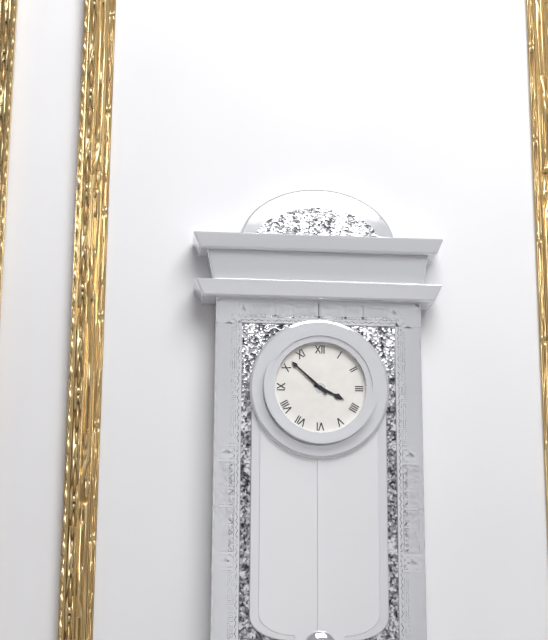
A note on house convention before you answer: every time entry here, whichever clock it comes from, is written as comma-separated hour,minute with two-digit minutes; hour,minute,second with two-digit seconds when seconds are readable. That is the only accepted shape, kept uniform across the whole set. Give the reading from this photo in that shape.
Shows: 3,52
